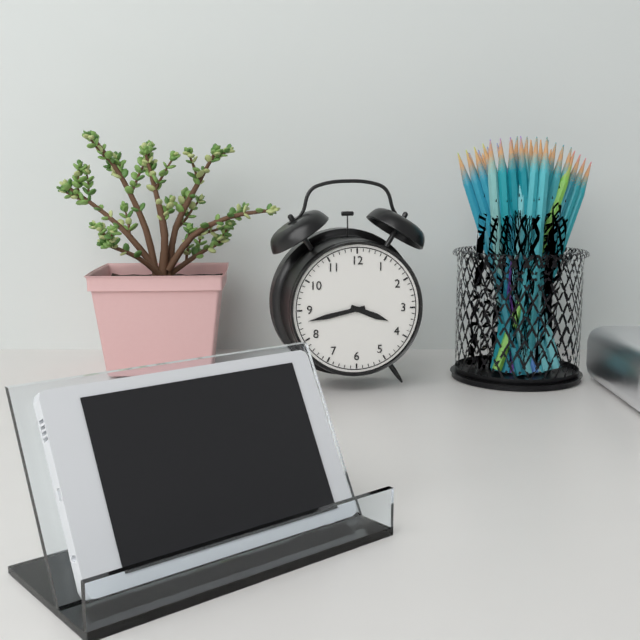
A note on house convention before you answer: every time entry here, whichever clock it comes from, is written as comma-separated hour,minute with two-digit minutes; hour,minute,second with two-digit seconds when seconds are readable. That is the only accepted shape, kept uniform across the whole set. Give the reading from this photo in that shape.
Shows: 3,43
